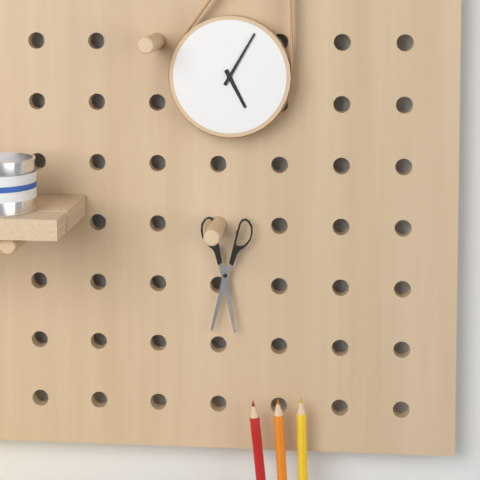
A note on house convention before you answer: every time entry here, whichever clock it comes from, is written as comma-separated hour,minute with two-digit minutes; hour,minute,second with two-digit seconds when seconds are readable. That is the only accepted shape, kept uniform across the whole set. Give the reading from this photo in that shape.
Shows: 5,05
